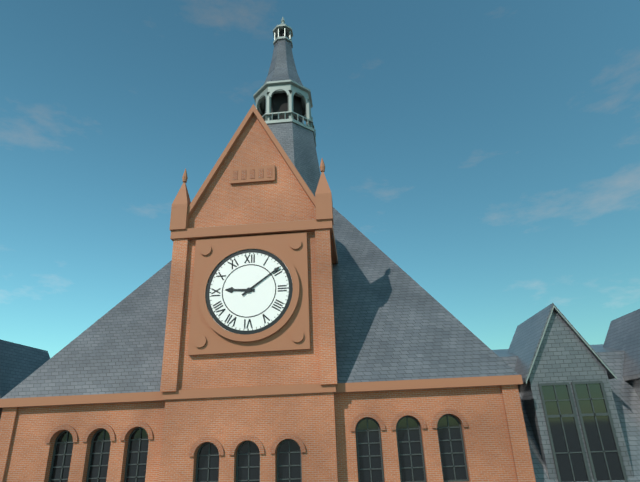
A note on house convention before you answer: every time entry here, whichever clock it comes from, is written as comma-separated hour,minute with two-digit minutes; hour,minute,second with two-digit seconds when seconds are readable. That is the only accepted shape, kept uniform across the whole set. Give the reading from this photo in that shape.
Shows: 9,09
